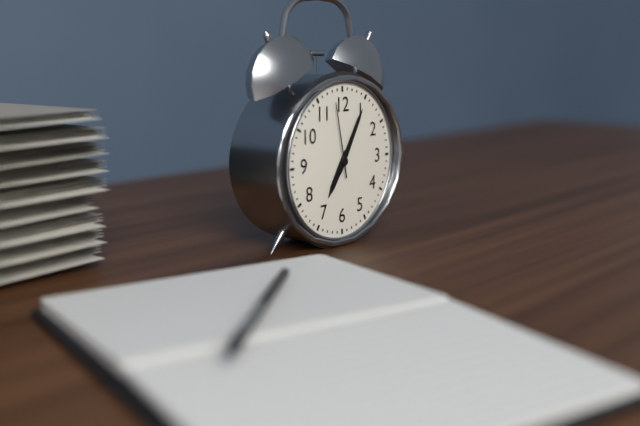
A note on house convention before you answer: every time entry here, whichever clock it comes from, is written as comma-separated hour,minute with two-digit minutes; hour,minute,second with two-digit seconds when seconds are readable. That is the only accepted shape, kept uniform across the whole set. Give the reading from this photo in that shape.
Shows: 7,05,58
